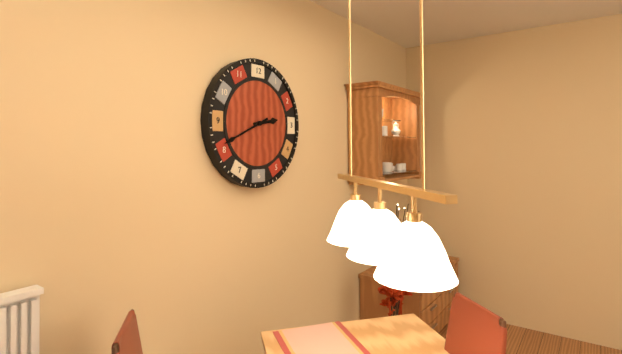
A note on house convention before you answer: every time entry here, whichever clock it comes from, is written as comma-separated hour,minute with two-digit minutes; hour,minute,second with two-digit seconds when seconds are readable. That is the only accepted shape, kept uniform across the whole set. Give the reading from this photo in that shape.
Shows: 2,41
